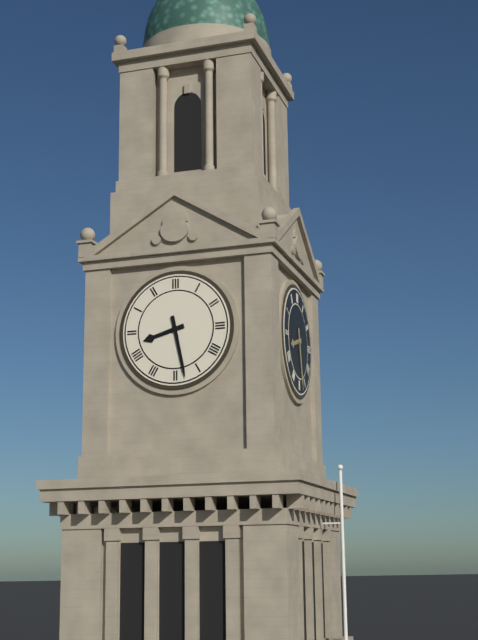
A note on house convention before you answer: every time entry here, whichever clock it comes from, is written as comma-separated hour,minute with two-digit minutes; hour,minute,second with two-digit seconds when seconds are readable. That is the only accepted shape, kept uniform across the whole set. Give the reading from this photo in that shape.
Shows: 8,28
